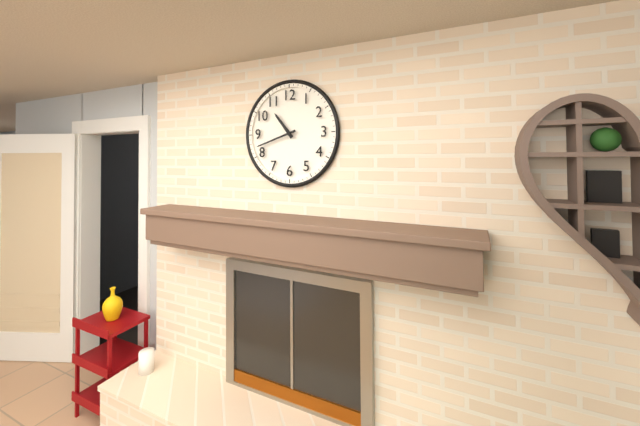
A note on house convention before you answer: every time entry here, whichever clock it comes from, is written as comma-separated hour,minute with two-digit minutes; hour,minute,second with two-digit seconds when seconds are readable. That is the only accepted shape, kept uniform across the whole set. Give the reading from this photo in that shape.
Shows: 10,42
